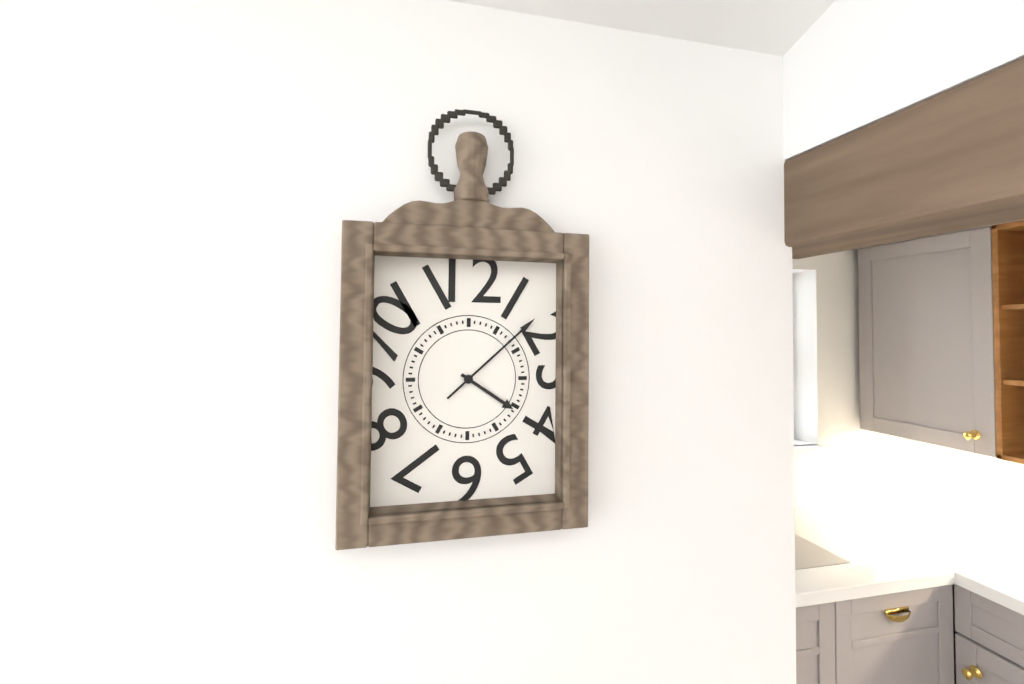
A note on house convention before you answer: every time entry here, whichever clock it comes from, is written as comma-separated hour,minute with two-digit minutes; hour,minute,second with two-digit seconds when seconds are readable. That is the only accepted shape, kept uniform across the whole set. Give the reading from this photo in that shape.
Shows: 4,08
